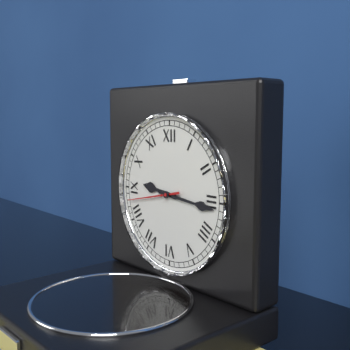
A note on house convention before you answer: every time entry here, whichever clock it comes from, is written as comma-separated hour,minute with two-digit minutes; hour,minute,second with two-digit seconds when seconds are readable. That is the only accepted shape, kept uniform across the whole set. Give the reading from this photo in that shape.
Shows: 9,16,43
